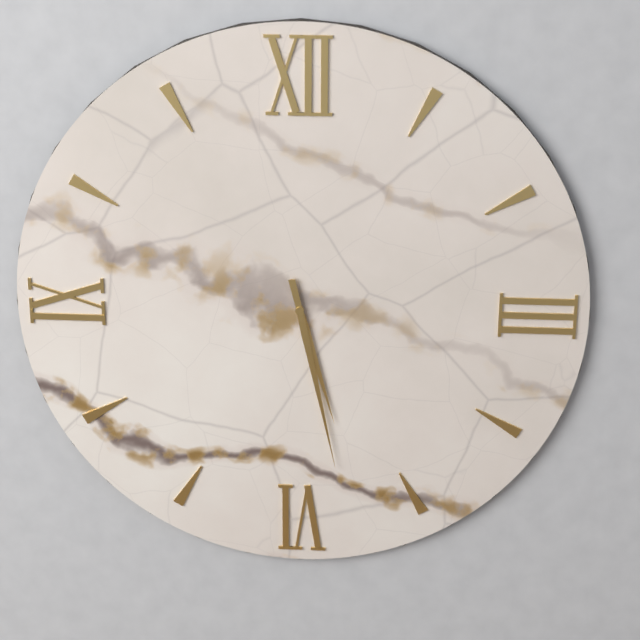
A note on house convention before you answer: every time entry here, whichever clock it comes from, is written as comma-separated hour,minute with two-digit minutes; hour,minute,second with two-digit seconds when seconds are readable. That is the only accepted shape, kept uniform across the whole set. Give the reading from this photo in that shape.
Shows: 5,28
